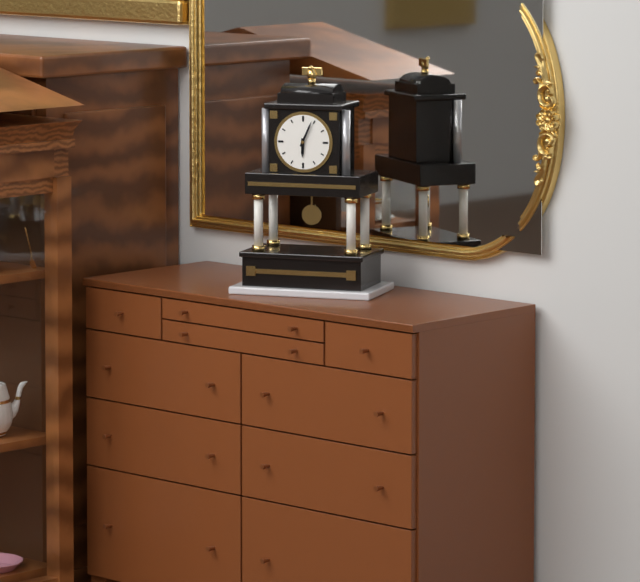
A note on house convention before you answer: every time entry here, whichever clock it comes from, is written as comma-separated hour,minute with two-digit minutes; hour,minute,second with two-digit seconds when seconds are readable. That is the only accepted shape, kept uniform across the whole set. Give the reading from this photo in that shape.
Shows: 6,04
